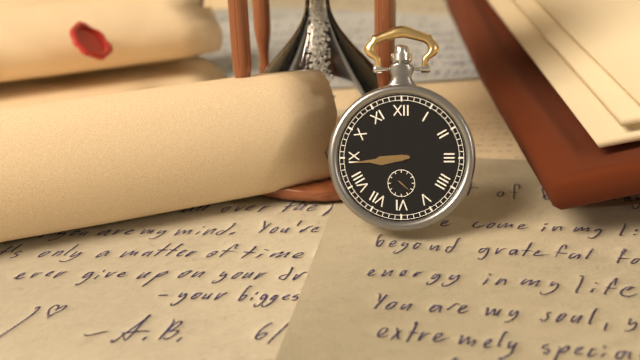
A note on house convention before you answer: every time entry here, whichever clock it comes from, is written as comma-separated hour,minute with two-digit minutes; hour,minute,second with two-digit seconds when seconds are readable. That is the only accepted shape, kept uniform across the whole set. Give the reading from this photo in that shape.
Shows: 8,44
